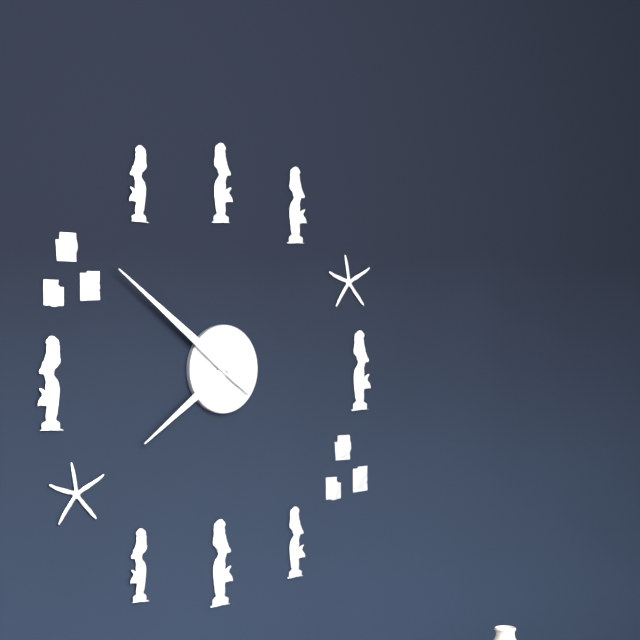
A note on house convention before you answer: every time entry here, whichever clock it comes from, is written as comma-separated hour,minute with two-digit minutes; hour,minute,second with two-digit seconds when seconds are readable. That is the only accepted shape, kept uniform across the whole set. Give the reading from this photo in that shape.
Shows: 7,51
